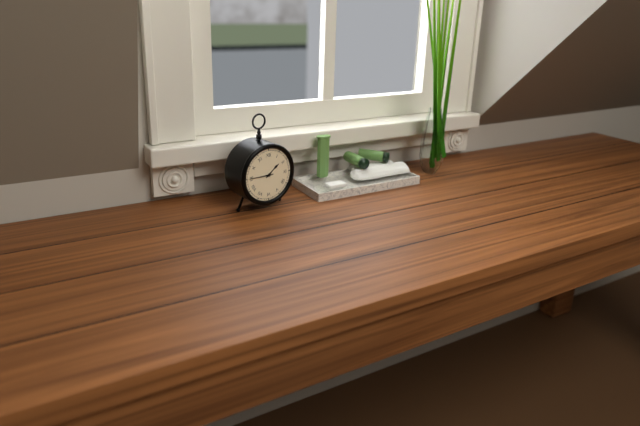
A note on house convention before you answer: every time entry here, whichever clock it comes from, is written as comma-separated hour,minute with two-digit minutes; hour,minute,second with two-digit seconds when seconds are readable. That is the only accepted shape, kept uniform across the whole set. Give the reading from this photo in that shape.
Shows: 1,45
